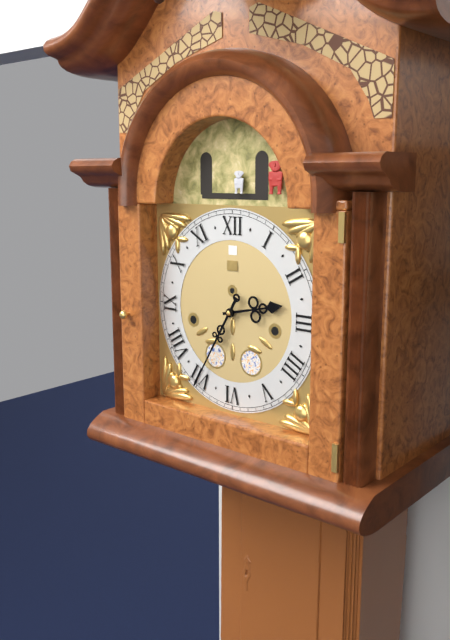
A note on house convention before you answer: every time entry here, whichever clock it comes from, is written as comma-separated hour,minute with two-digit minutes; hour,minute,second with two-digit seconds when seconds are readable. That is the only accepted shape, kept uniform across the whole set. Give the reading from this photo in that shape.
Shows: 2,35
